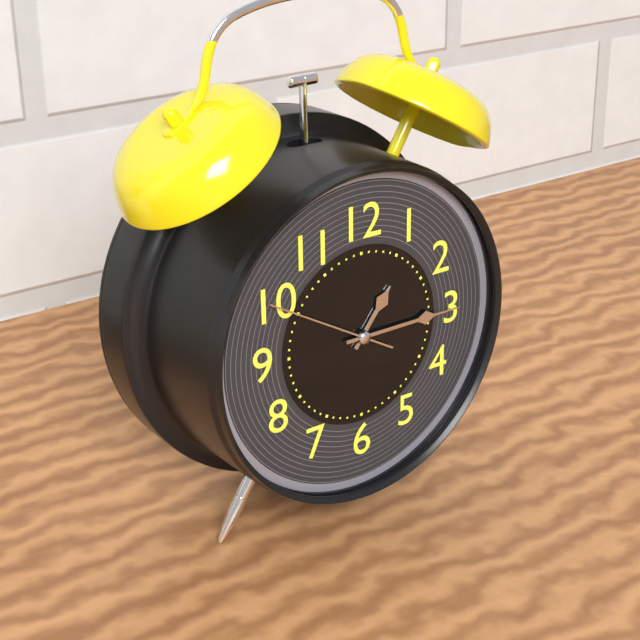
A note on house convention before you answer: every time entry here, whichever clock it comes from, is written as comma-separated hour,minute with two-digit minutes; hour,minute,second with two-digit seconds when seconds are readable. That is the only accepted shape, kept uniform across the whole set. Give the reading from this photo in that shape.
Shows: 1,15,50
